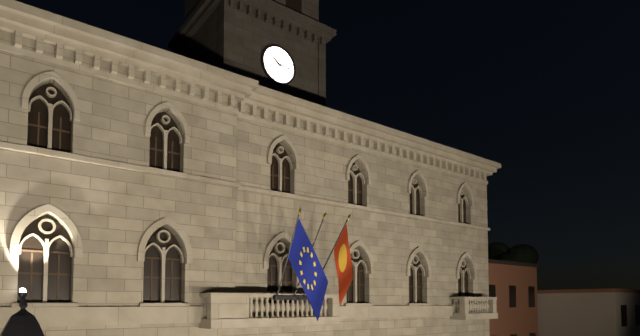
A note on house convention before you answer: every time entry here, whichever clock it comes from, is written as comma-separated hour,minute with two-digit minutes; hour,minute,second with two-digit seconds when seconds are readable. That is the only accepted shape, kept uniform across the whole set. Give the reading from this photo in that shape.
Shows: 10,16
